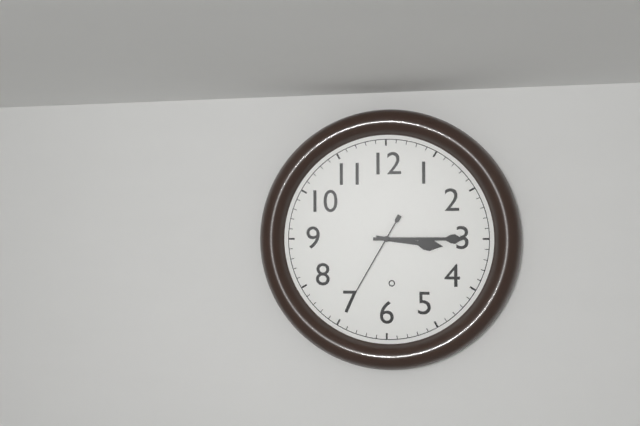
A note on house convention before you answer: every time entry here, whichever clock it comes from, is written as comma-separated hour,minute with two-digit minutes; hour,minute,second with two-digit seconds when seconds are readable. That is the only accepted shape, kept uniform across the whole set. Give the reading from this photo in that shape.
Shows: 3,15,35
